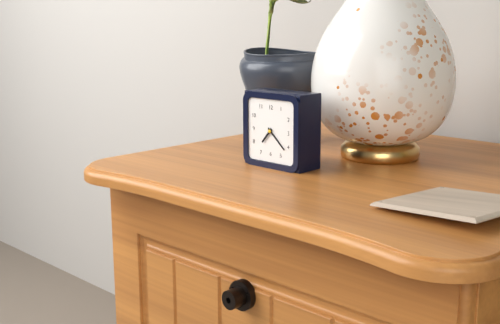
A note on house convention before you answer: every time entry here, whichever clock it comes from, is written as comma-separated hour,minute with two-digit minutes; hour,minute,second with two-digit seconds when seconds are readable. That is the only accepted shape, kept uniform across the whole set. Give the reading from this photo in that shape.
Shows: 7,22
